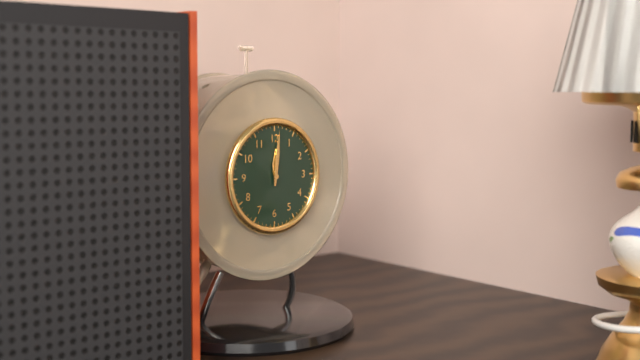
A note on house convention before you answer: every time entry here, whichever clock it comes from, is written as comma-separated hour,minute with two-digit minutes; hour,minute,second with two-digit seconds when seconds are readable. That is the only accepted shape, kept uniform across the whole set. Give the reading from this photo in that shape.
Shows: 12,01
